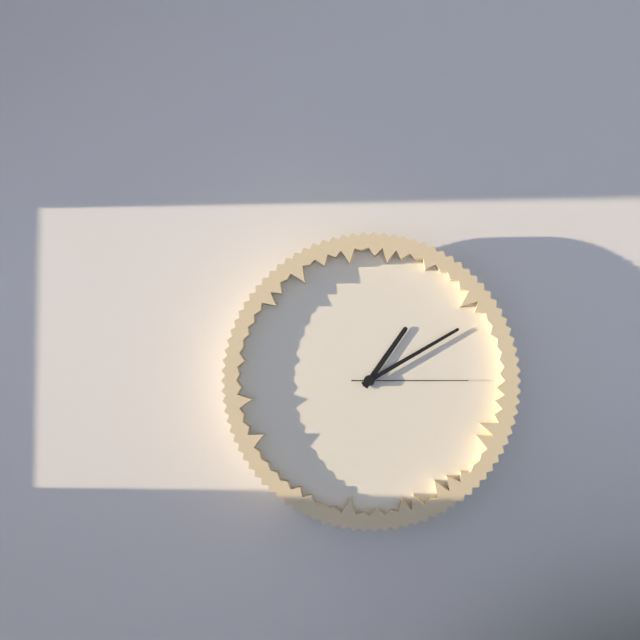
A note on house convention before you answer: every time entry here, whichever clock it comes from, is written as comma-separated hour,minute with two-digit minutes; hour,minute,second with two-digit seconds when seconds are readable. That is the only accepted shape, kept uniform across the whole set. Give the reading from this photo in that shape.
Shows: 1,10,15
